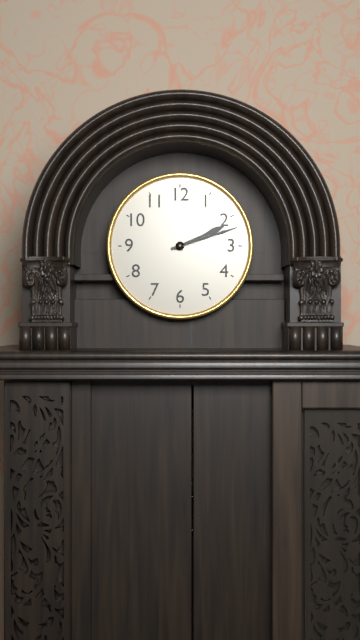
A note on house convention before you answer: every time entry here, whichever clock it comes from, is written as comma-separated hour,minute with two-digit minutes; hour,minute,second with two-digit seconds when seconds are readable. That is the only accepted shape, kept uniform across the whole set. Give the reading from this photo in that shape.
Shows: 2,12
